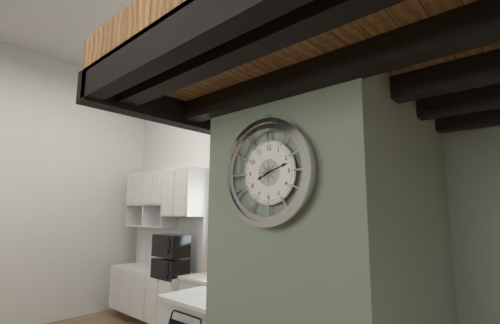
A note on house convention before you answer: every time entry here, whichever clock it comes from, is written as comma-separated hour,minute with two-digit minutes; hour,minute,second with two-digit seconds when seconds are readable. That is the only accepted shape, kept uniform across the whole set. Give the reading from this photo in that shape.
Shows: 8,12
